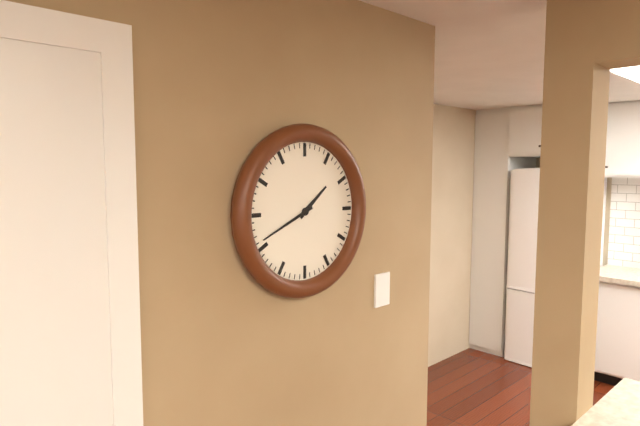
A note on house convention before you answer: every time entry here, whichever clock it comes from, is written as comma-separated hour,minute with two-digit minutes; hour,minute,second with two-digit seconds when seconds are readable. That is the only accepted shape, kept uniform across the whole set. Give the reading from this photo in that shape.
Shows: 1,41
